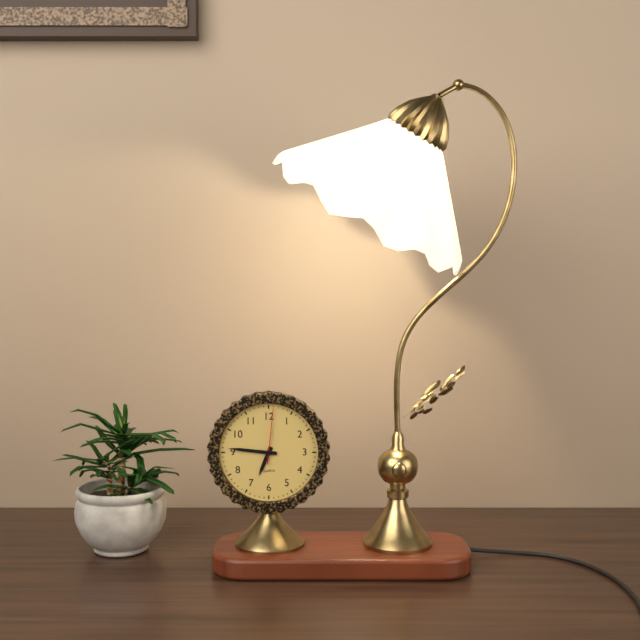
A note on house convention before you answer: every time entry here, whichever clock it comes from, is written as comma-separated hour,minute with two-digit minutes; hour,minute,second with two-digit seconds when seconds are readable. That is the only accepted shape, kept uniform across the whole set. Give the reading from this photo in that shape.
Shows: 6,46,01
